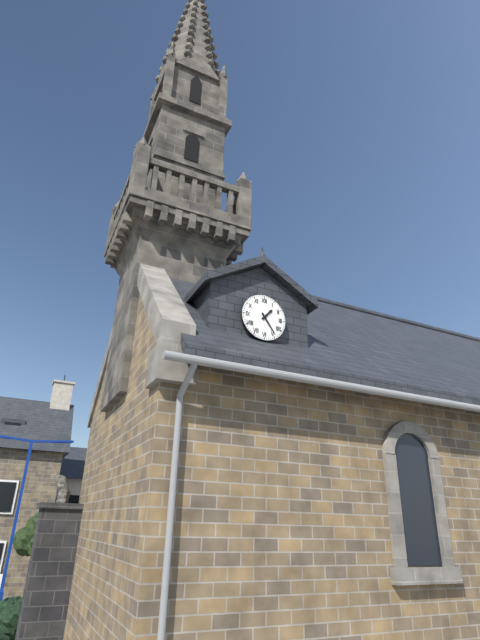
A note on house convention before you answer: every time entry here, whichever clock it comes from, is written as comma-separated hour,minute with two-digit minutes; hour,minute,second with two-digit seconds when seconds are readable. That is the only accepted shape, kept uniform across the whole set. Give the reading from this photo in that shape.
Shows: 1,24
